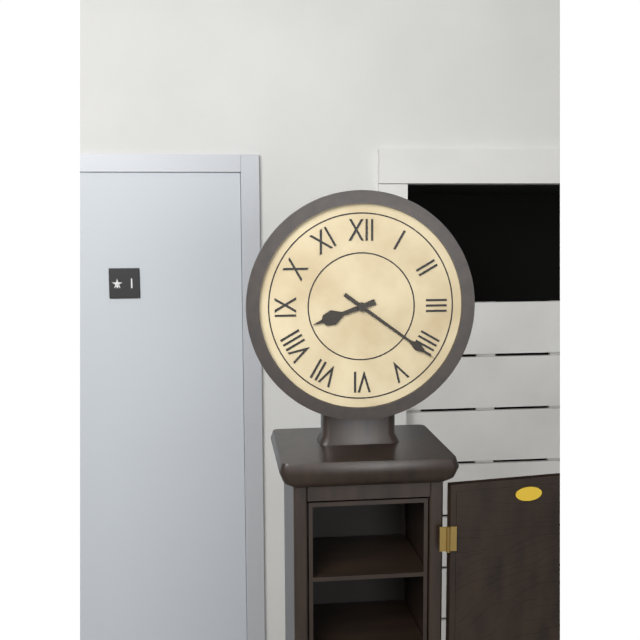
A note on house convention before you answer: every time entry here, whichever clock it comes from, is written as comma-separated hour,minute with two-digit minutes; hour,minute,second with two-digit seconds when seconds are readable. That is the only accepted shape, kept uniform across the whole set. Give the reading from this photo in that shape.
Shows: 8,21
